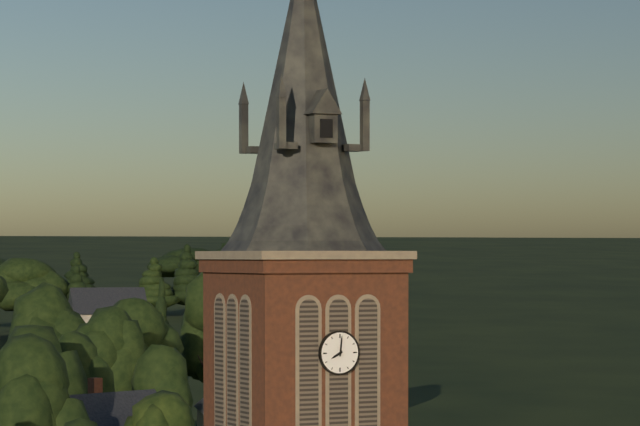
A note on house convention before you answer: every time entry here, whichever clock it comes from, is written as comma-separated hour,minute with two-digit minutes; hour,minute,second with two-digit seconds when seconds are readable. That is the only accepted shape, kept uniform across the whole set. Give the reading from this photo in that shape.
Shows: 8,01
